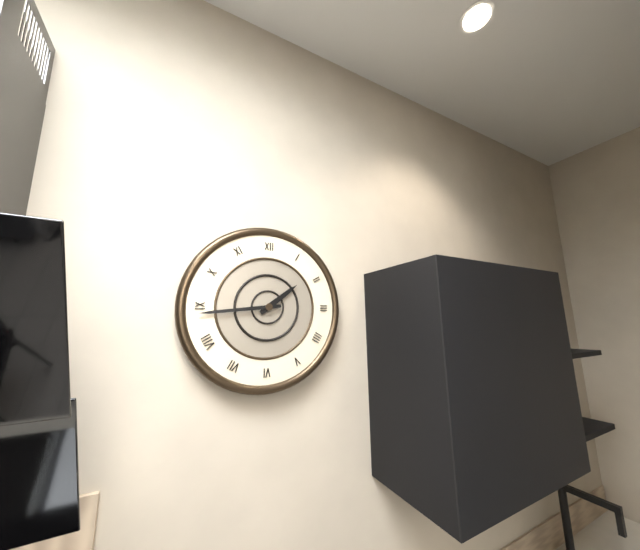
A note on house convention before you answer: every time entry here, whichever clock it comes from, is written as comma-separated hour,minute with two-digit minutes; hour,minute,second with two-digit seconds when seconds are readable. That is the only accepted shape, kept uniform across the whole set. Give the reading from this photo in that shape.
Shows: 1,44
